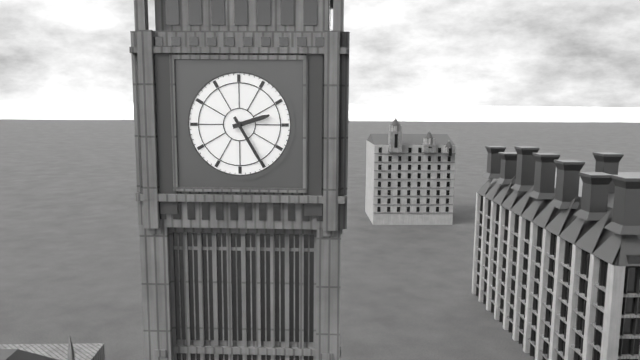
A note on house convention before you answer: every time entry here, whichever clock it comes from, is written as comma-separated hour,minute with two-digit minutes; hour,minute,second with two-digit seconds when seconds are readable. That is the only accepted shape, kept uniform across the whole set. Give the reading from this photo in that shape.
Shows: 2,25
